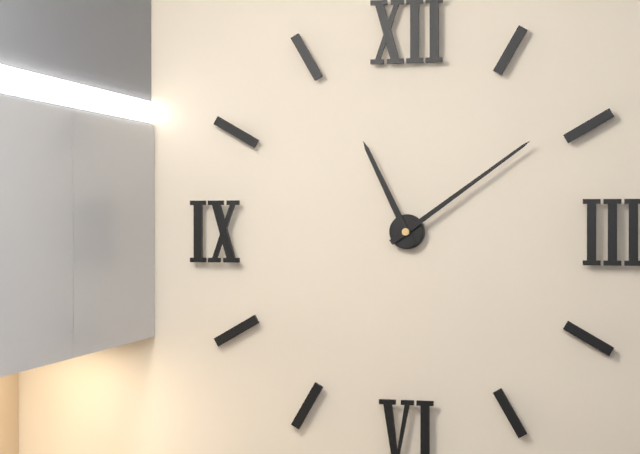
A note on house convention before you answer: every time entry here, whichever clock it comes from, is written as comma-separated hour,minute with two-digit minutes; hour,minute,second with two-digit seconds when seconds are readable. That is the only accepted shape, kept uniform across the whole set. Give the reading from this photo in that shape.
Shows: 11,09
